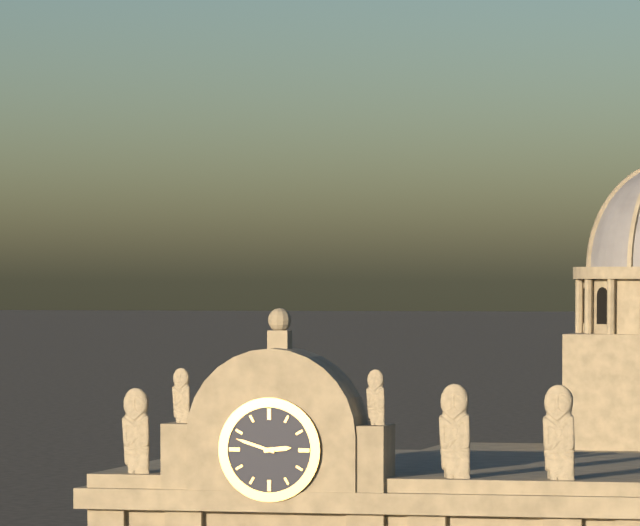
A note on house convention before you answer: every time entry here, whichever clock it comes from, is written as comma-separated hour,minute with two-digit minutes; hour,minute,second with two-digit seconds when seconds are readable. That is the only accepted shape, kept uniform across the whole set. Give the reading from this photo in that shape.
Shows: 2,48
